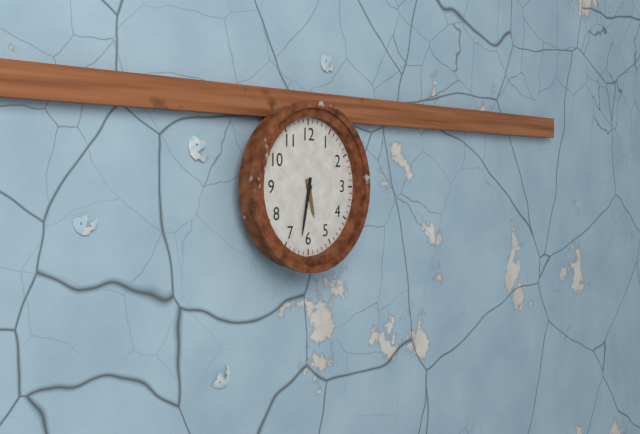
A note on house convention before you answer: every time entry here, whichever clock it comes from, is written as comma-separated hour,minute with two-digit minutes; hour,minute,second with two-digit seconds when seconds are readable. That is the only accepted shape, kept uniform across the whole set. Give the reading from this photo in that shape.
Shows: 5,32
